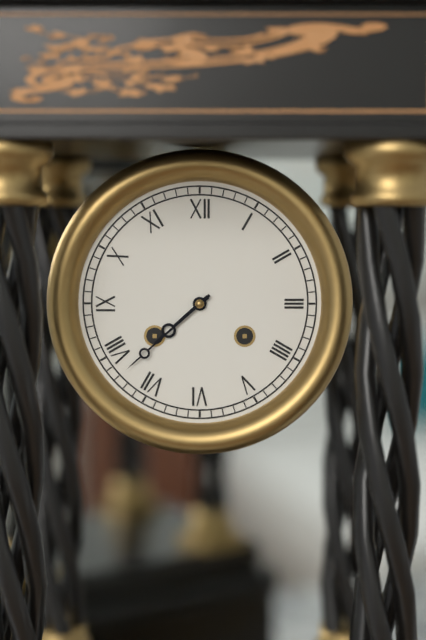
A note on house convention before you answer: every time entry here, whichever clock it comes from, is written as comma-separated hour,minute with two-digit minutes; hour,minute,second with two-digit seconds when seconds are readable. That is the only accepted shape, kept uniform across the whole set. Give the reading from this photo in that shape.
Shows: 7,38
